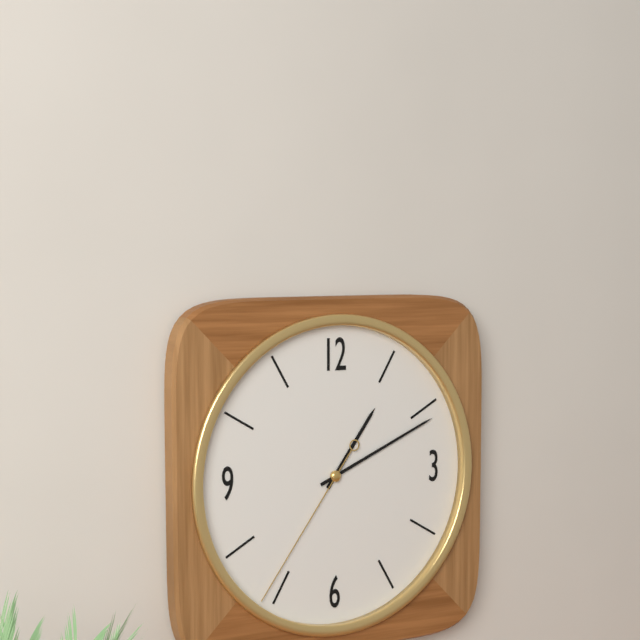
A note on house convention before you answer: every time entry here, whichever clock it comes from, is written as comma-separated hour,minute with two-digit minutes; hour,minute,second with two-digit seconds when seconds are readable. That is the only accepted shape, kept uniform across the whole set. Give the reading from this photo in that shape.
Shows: 1,11,36
